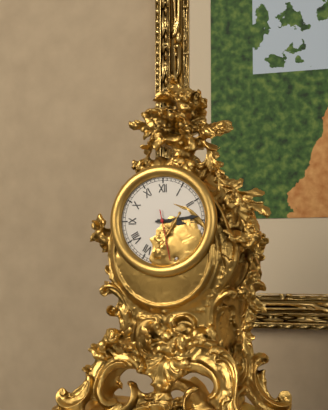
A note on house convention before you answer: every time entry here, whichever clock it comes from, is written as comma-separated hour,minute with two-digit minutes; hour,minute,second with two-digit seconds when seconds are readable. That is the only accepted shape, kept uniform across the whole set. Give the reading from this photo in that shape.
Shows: 3,14,28
